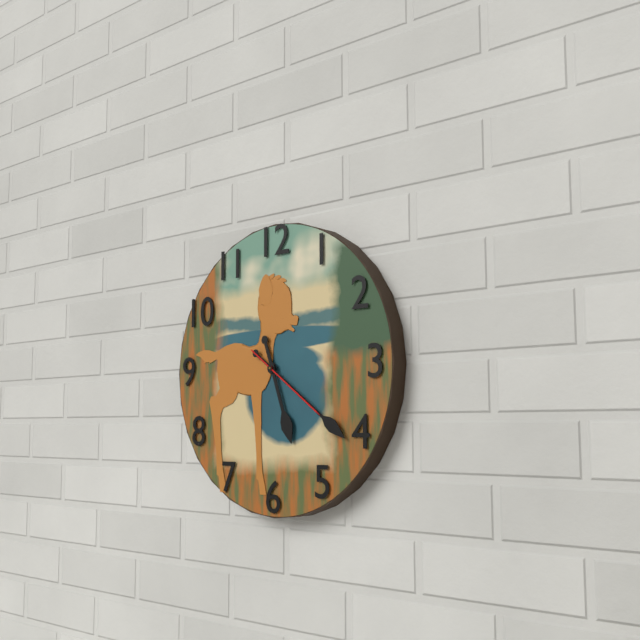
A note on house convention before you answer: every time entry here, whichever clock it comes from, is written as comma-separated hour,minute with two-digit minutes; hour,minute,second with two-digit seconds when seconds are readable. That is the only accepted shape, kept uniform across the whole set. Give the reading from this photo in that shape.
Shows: 5,21,21
